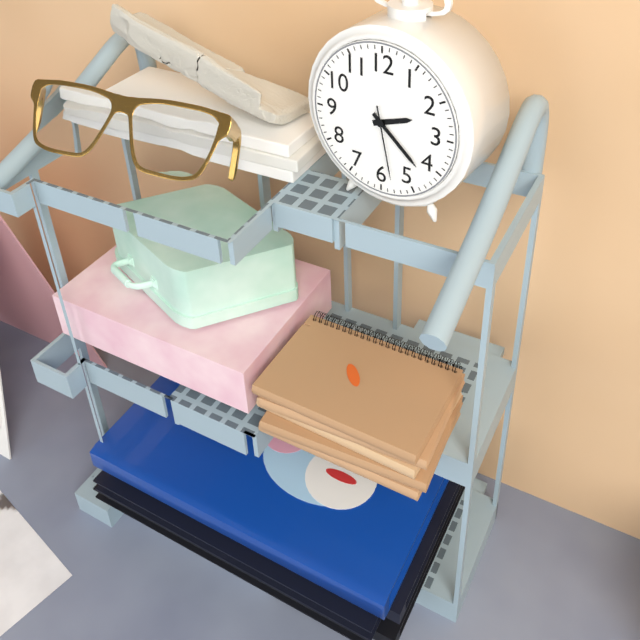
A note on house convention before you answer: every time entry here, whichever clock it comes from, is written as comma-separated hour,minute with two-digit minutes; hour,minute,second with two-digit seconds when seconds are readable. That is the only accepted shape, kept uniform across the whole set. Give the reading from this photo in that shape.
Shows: 2,22,28
